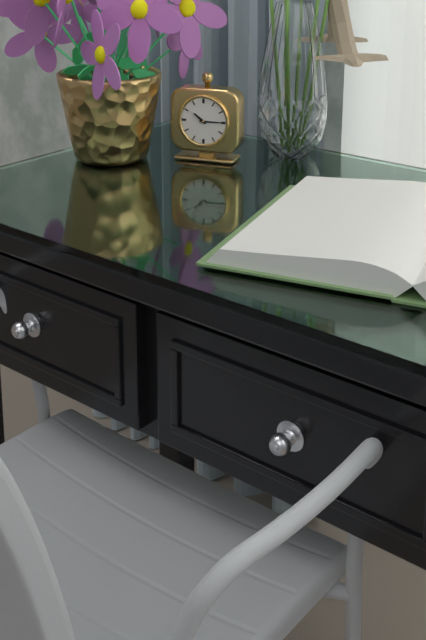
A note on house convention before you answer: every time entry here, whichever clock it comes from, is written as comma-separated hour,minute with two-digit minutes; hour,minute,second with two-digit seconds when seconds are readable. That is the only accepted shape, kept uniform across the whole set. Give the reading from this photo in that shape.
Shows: 10,15
